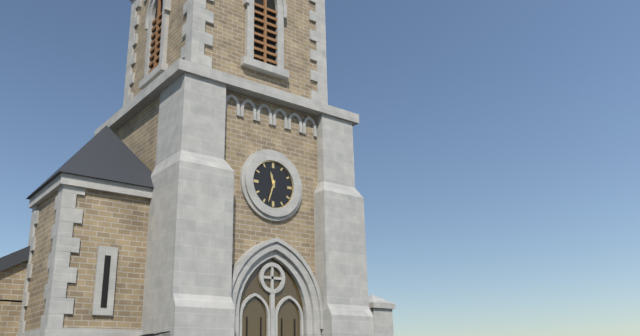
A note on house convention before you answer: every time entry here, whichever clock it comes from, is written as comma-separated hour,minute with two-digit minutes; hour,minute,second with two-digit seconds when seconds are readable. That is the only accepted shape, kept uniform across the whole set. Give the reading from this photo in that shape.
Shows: 11,33
